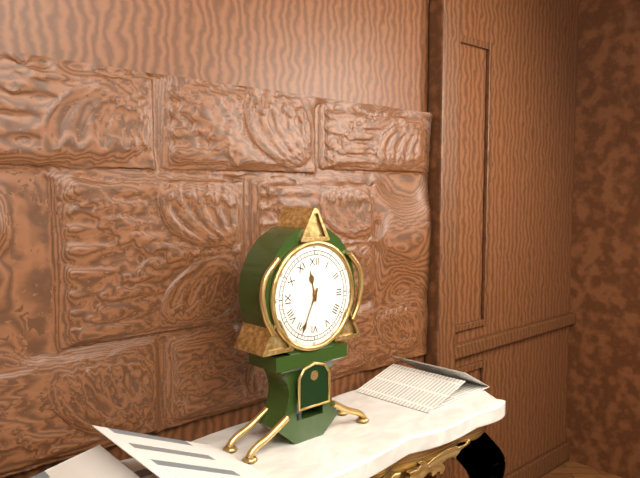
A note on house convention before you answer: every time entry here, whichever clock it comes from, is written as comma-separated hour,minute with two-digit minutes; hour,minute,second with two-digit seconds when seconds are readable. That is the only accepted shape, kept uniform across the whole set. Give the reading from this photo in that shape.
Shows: 11,34
